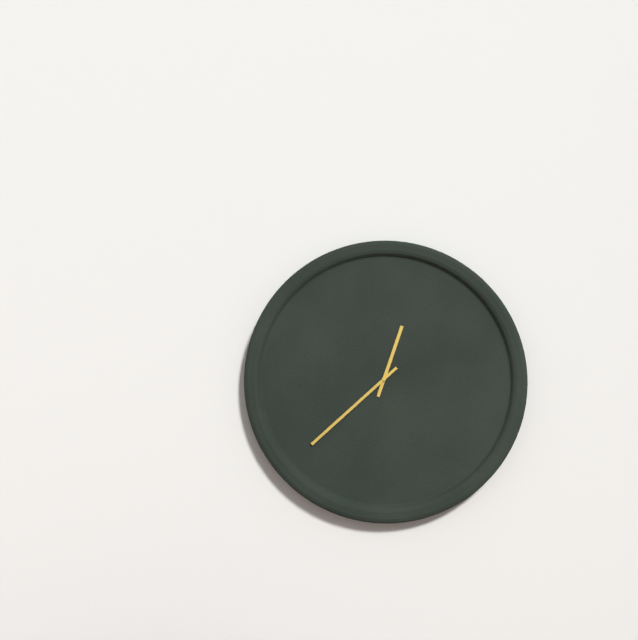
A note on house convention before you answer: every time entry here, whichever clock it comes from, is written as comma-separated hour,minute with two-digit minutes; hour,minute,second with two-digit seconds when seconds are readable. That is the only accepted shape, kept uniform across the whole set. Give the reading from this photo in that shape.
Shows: 12,38
